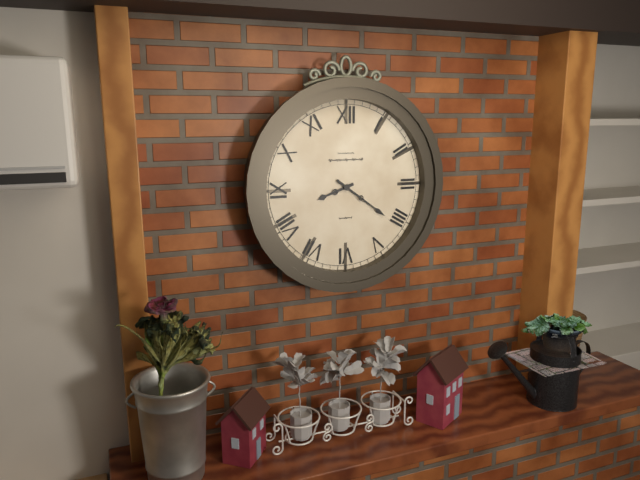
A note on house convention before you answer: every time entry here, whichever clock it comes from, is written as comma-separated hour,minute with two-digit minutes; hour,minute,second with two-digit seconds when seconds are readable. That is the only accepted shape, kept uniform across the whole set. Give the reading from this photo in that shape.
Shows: 8,21
